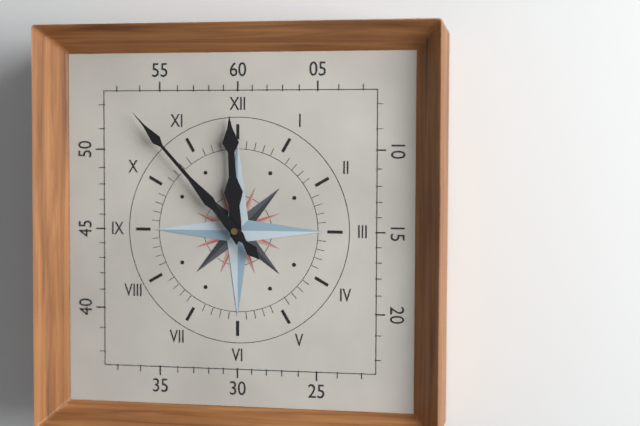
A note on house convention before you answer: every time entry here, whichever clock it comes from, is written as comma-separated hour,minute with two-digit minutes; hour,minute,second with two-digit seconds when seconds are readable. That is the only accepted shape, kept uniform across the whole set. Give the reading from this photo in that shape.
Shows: 11,53
